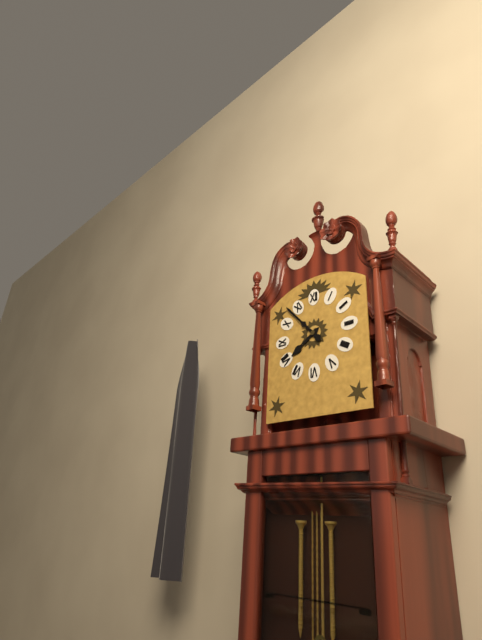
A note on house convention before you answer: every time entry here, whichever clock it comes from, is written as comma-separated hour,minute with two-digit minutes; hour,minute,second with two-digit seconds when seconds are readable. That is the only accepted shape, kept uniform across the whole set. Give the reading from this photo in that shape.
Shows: 7,53
